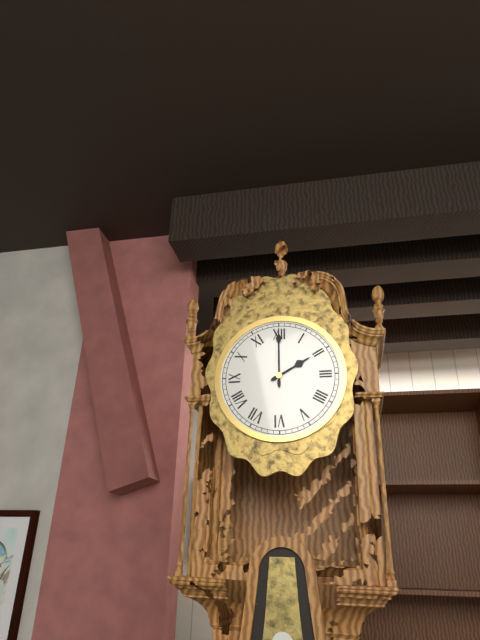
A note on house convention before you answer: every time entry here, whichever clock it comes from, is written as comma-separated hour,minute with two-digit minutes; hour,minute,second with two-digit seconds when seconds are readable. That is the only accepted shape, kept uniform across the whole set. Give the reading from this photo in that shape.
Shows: 2,00
